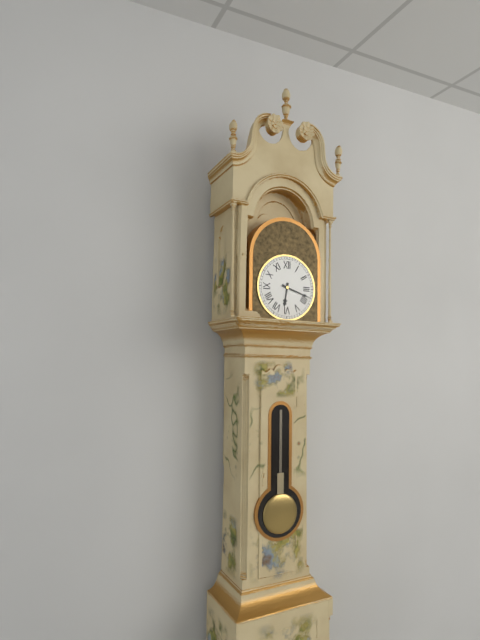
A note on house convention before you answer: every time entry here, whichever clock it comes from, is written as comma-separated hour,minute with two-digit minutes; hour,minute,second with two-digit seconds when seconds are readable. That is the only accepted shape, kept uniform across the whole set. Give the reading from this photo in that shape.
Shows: 6,18
